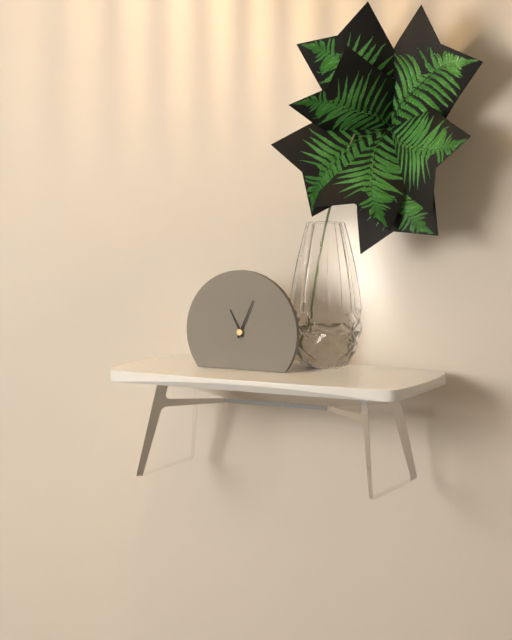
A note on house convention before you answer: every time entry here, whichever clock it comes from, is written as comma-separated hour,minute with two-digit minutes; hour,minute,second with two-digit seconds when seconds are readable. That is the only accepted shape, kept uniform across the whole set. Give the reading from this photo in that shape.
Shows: 11,04
